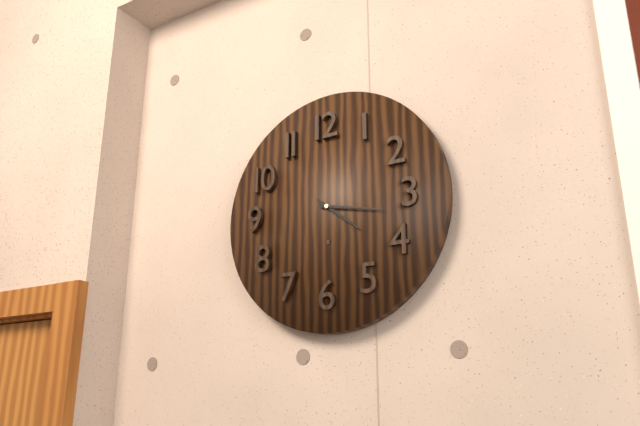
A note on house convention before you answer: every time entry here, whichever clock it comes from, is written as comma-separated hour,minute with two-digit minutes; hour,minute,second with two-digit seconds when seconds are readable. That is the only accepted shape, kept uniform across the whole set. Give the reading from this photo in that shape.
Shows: 4,17
